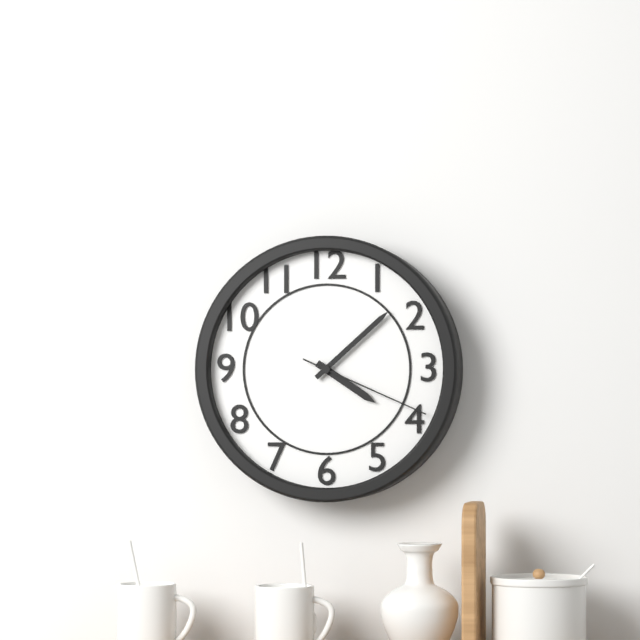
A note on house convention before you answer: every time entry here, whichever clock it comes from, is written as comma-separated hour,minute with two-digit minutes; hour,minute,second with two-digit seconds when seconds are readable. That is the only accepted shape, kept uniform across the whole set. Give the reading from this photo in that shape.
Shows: 4,08,19
